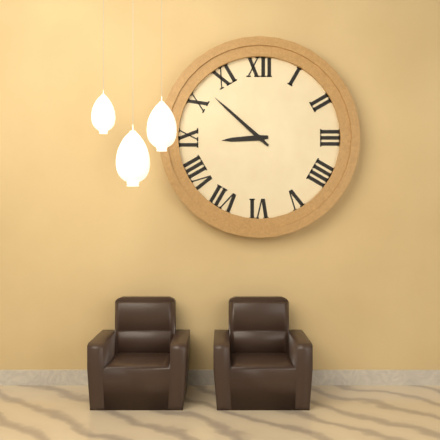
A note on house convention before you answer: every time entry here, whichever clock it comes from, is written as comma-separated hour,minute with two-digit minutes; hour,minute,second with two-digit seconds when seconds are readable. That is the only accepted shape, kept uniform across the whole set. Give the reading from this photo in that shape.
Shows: 8,52
